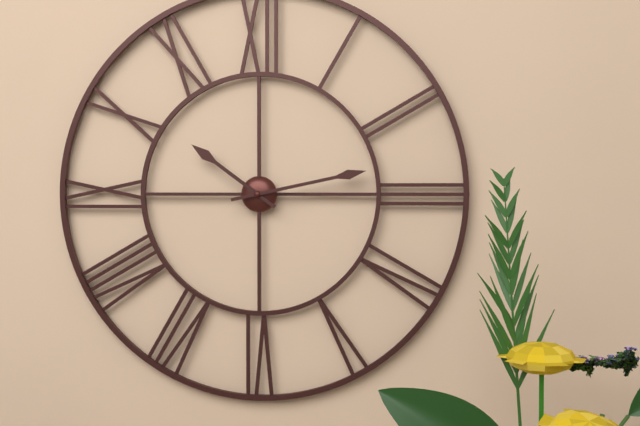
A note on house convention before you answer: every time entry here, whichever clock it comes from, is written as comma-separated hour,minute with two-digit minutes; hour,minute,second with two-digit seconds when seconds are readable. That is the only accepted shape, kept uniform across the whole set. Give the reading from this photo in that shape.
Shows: 10,13
